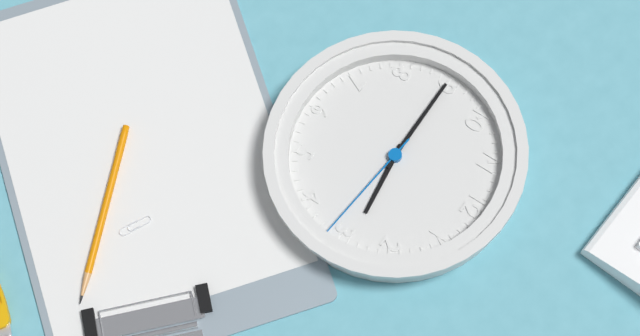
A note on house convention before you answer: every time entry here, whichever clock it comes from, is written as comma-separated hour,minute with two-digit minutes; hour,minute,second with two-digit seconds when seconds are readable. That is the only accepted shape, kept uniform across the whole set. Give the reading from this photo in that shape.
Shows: 2,45,16
